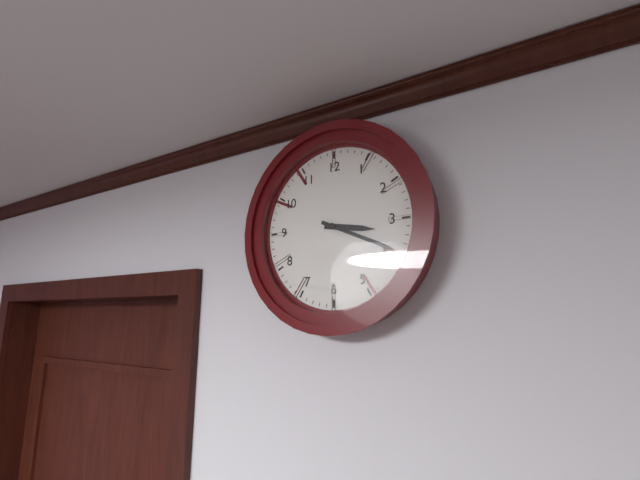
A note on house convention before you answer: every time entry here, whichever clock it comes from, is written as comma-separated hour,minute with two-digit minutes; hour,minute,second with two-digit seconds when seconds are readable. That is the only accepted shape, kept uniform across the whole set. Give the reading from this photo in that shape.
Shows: 3,19
